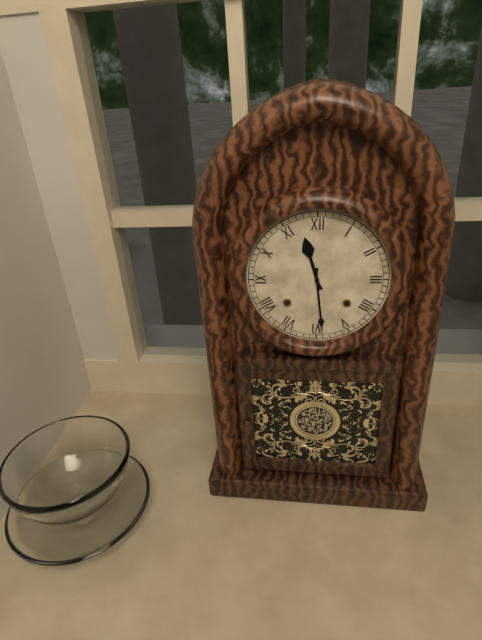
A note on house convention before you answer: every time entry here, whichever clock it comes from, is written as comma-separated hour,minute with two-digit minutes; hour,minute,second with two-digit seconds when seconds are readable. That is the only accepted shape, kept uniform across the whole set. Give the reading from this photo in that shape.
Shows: 11,29
